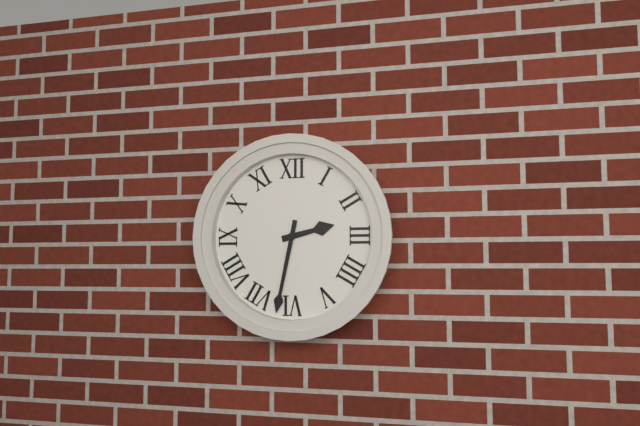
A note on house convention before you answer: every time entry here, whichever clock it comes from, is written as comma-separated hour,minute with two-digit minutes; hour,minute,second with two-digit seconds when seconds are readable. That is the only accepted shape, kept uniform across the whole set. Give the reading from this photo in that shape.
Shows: 2,32
